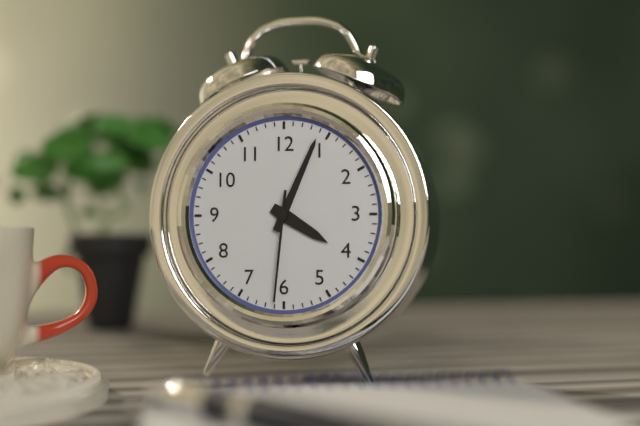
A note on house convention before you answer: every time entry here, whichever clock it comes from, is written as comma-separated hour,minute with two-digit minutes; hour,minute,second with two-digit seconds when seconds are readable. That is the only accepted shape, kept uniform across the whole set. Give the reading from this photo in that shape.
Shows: 4,04,31
